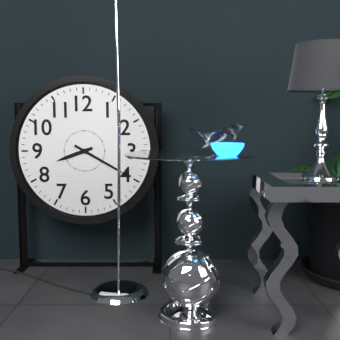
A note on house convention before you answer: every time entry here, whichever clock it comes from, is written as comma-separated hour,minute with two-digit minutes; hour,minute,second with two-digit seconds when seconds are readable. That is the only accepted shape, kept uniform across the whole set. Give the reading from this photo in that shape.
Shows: 8,20
